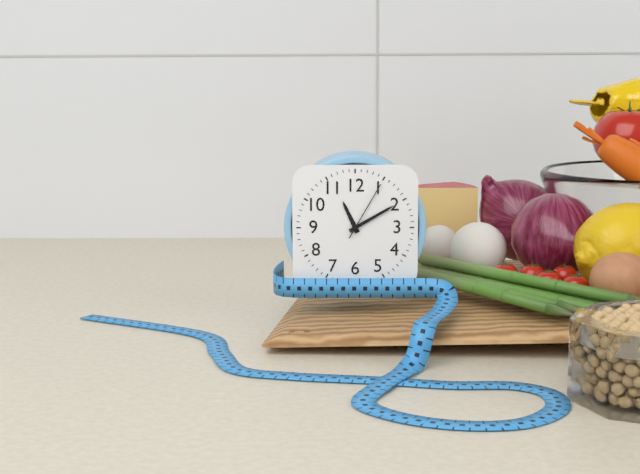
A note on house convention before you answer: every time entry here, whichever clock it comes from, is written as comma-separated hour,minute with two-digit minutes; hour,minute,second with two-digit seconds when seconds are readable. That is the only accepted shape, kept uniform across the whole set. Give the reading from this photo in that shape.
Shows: 11,10,05
